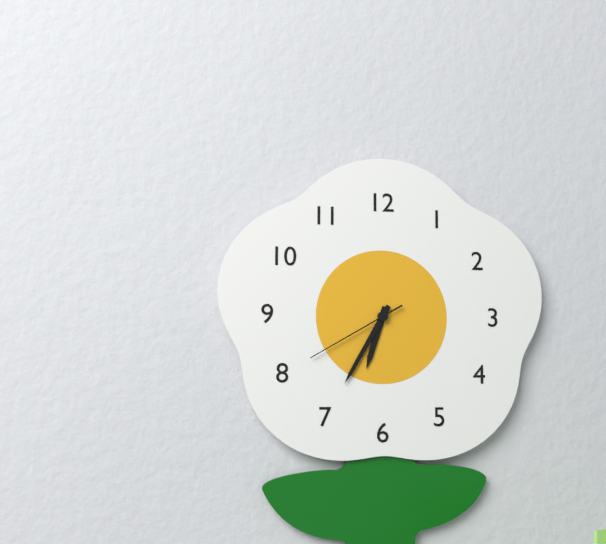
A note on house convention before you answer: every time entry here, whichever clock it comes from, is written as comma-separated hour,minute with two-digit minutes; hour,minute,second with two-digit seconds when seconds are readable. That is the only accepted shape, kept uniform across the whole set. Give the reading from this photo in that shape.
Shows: 6,35,40
